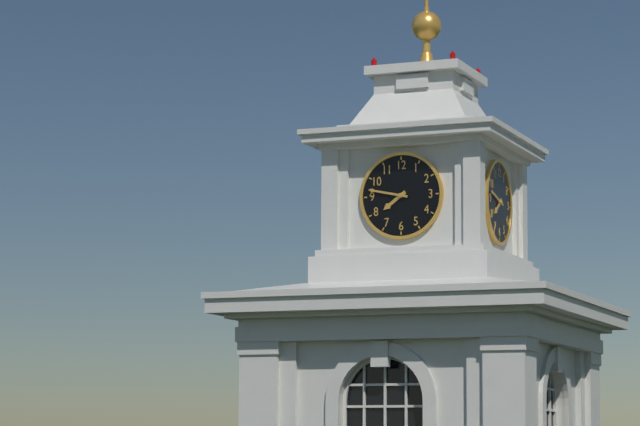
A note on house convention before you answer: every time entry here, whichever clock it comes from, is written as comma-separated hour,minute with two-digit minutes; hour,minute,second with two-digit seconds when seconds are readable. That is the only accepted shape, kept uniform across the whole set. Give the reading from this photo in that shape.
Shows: 7,47
